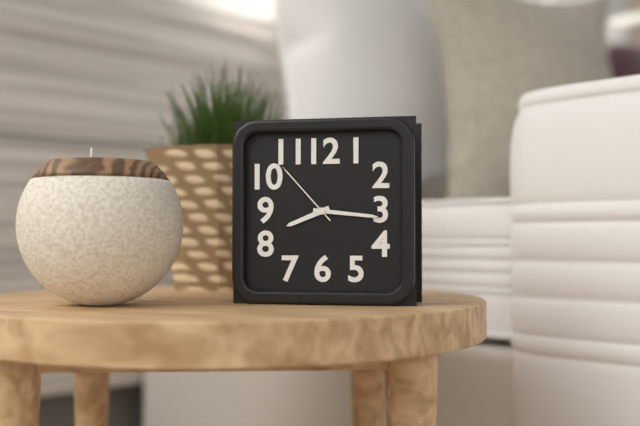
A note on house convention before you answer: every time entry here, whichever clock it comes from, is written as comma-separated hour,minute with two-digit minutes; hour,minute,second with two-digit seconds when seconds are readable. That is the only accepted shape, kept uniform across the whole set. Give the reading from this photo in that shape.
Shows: 8,16,53
